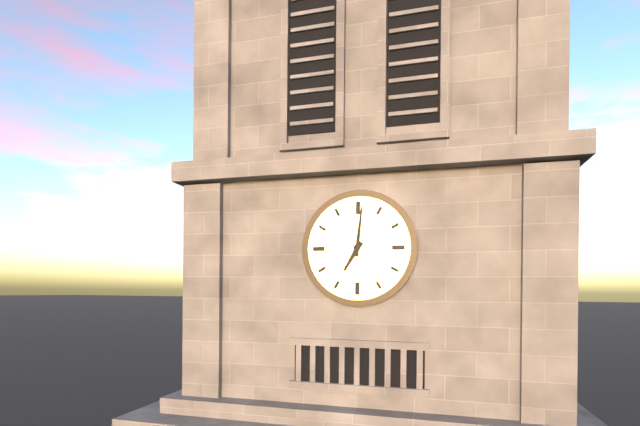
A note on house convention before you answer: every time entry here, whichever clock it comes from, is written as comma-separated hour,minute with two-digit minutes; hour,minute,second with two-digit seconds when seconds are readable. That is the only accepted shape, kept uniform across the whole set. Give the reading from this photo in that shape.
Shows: 7,01
